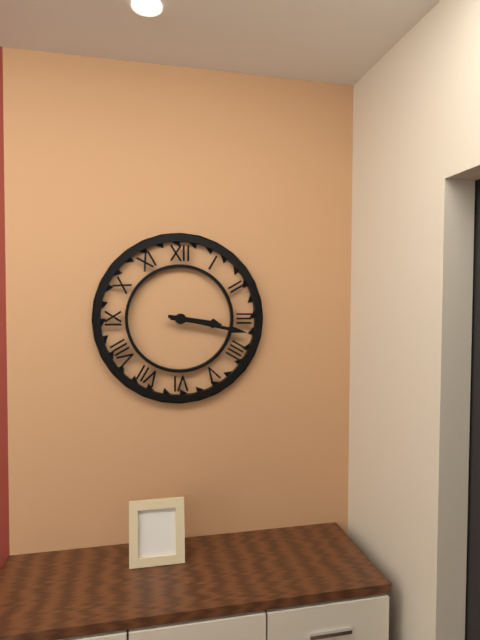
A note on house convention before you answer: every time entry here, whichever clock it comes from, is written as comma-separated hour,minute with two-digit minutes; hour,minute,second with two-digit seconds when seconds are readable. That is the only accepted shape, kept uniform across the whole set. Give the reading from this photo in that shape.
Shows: 3,17
